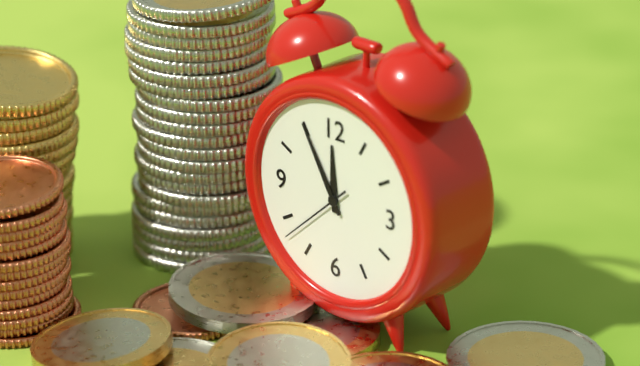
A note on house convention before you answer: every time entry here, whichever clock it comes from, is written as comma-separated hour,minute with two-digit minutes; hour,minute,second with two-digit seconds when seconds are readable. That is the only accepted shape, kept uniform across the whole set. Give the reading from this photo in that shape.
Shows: 11,55,38
